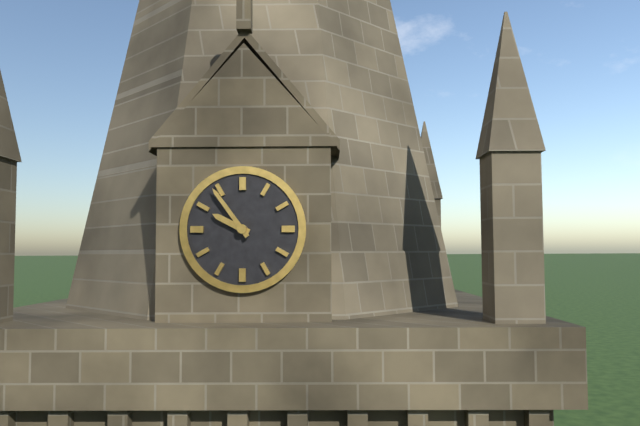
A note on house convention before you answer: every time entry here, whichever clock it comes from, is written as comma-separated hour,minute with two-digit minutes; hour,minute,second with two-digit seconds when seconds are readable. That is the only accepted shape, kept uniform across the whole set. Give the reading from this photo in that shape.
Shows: 9,54
